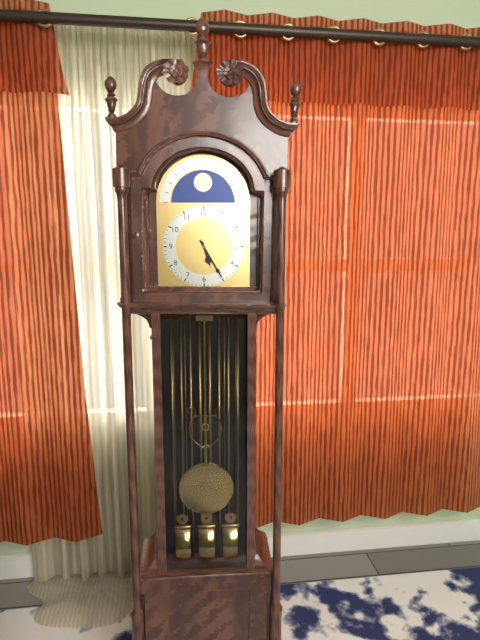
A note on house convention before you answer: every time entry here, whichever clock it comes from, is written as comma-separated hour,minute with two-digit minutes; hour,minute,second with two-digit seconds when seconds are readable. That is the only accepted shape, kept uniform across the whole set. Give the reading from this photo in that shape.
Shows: 5,25
